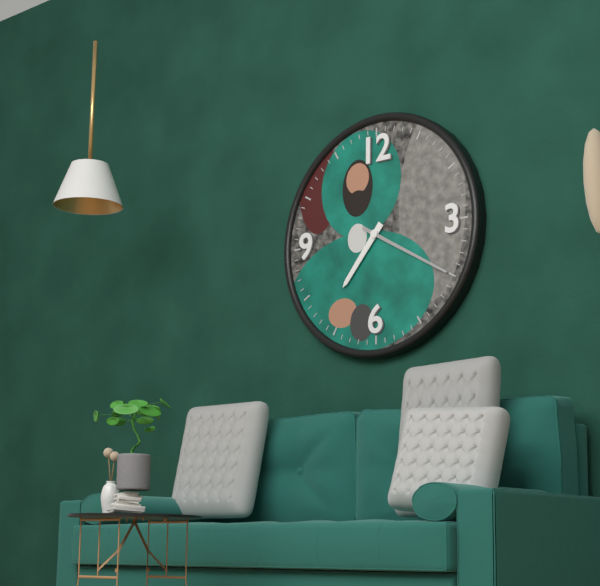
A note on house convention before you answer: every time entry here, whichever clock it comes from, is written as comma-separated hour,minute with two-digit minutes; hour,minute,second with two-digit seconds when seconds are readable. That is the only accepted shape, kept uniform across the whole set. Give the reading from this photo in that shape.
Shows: 7,20
